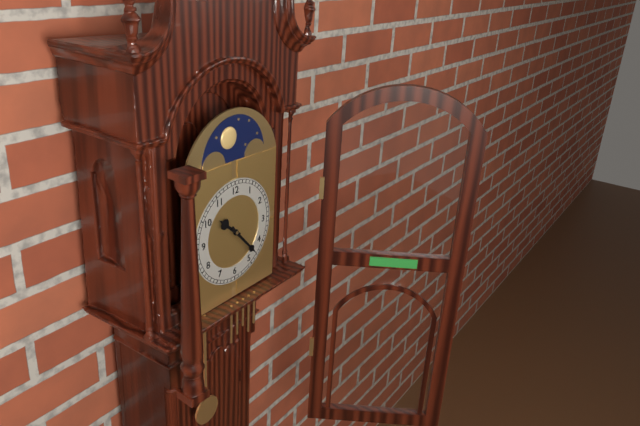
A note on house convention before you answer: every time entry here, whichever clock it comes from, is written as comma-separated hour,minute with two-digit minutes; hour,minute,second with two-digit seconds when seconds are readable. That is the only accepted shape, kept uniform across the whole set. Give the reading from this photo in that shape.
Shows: 10,23
